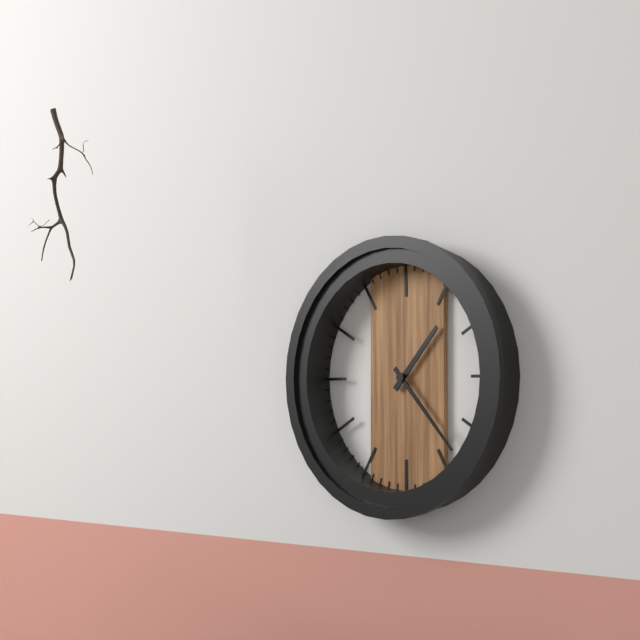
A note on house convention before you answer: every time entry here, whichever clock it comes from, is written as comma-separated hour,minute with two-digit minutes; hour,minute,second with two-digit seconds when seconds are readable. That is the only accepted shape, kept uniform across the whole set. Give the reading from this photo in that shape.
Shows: 1,23
